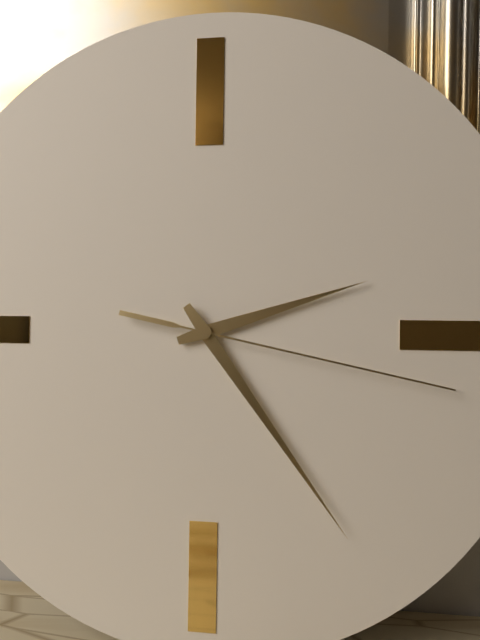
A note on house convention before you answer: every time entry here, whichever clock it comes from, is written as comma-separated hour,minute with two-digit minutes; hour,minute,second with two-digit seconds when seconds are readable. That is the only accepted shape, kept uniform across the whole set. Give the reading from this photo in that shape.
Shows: 2,24,17
